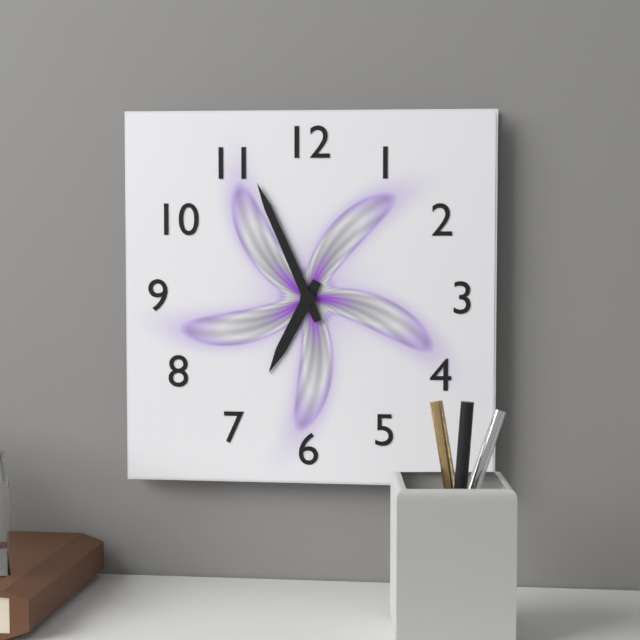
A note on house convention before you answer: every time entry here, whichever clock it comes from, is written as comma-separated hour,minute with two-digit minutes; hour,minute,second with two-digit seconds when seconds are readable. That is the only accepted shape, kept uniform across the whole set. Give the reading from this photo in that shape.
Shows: 6,56
